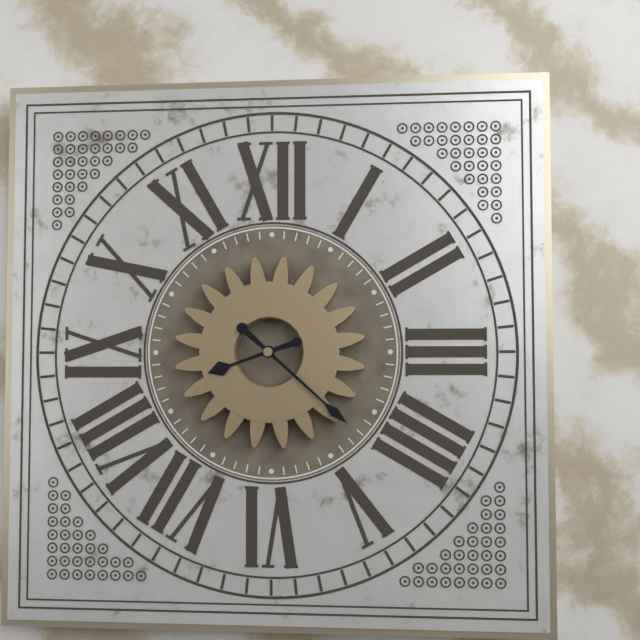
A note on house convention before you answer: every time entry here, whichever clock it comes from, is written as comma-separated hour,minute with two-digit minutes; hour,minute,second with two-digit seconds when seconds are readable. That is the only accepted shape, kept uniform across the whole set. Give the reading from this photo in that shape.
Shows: 8,22
